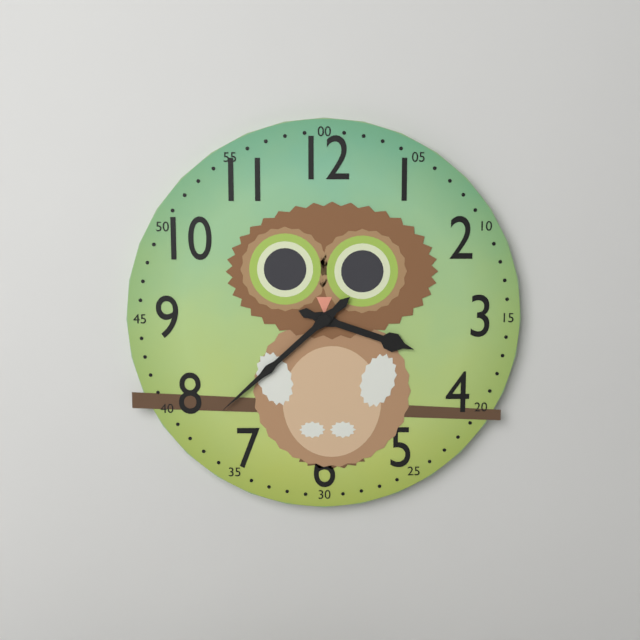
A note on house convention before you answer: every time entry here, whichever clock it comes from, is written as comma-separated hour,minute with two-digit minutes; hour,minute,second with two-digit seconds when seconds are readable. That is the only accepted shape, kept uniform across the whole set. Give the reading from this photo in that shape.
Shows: 3,38
